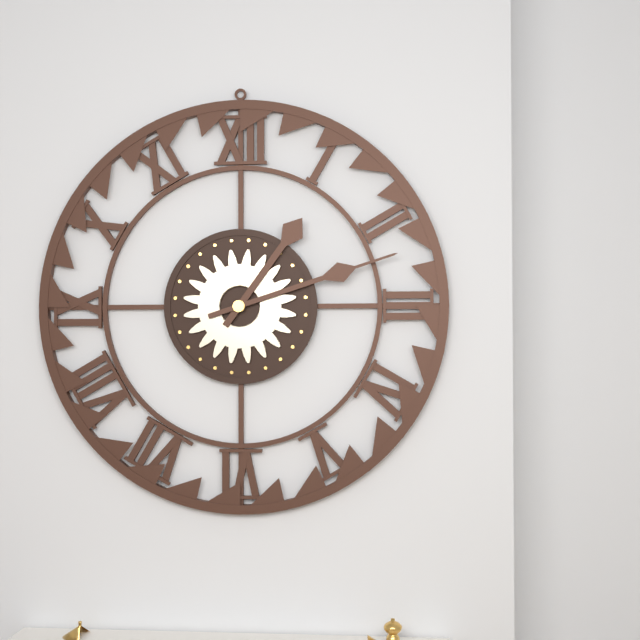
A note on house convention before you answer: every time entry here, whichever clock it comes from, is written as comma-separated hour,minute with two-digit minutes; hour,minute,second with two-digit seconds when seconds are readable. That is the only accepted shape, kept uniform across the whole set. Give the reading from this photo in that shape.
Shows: 1,12
